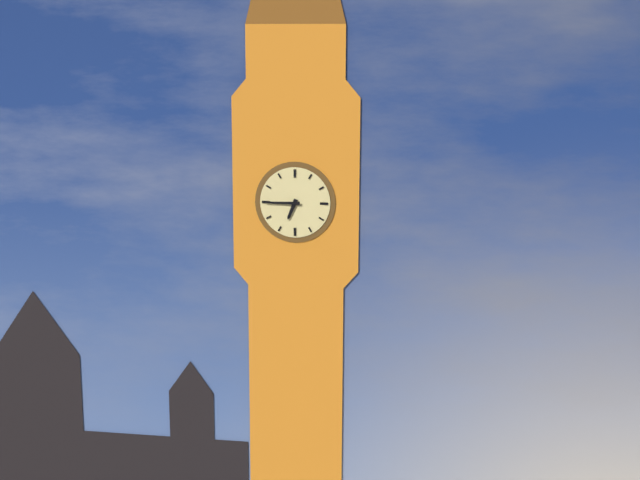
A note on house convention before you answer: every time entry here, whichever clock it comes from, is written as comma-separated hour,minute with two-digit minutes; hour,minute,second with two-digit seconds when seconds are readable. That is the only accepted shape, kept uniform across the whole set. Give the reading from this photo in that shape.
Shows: 6,45
